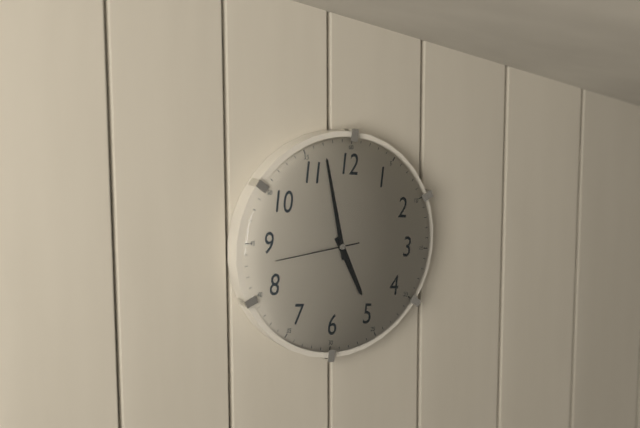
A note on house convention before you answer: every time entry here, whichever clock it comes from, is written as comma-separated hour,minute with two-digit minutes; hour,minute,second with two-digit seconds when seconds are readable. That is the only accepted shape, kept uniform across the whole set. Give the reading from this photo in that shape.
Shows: 4,57,43
